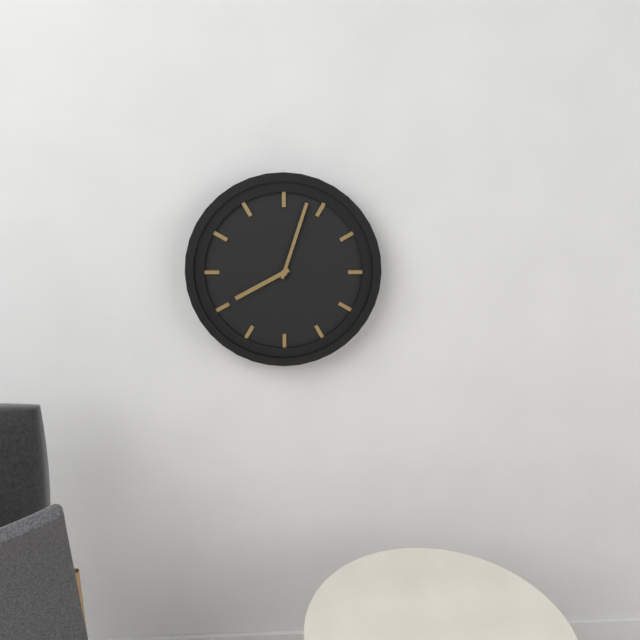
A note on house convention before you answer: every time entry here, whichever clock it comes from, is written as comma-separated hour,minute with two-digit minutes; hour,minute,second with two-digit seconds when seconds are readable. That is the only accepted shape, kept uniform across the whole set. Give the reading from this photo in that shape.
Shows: 8,03
